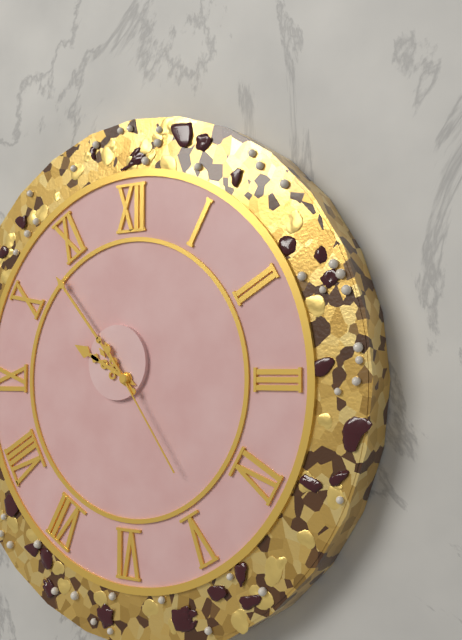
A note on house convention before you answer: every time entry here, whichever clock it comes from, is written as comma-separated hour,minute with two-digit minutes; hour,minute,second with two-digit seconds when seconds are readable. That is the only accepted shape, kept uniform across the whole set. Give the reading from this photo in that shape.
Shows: 9,53,24
